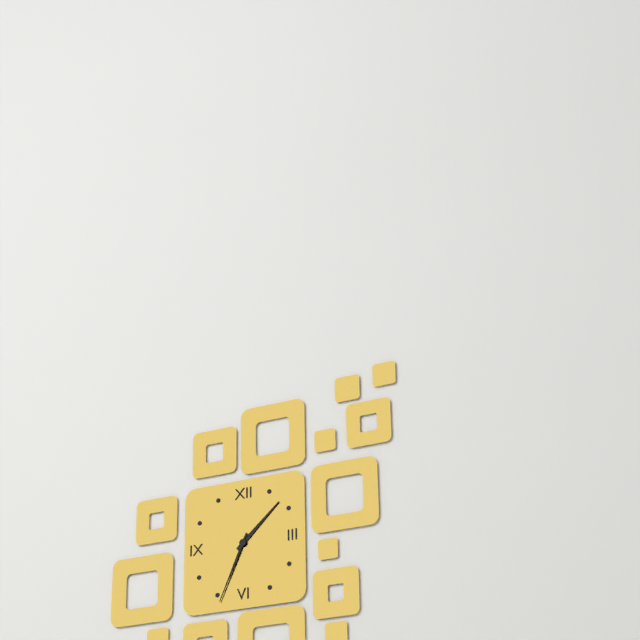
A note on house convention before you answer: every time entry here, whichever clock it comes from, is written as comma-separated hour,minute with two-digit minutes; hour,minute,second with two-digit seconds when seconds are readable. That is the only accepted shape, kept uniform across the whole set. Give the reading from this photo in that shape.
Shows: 1,34
